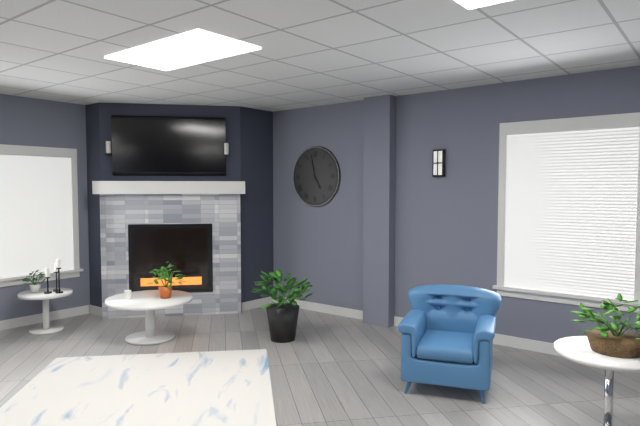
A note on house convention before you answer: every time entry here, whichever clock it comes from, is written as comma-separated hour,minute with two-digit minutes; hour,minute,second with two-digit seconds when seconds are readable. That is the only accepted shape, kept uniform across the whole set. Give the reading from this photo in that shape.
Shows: 4,58
